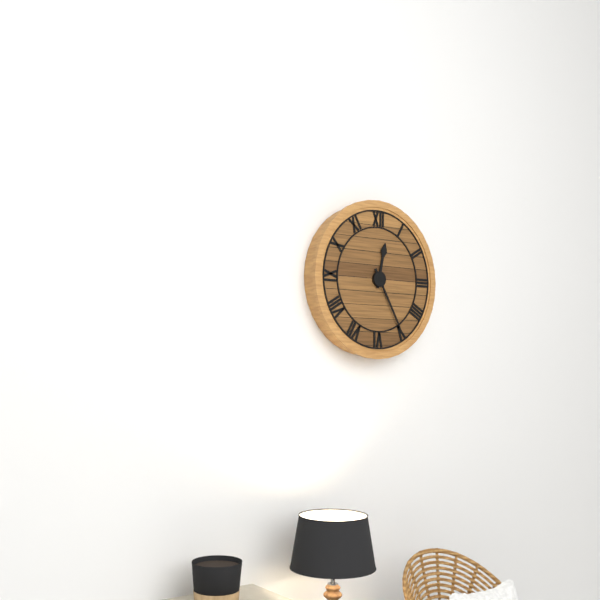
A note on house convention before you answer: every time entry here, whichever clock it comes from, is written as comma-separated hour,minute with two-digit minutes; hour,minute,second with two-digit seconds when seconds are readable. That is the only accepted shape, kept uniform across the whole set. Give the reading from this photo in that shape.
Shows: 12,25
